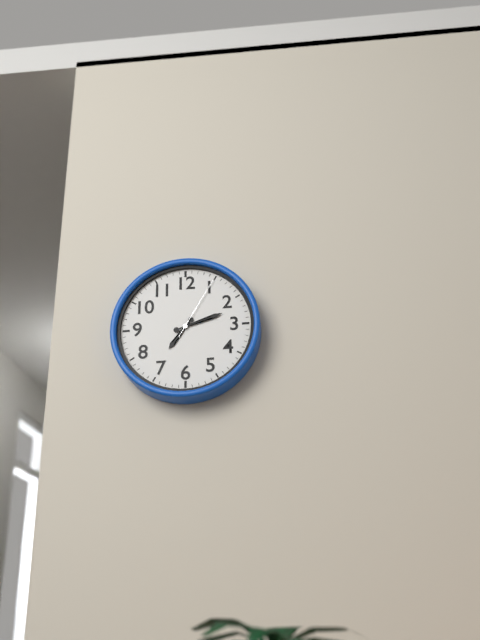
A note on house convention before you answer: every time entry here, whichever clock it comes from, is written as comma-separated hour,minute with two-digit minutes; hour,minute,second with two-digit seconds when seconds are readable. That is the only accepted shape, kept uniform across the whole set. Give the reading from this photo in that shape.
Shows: 7,12,05
